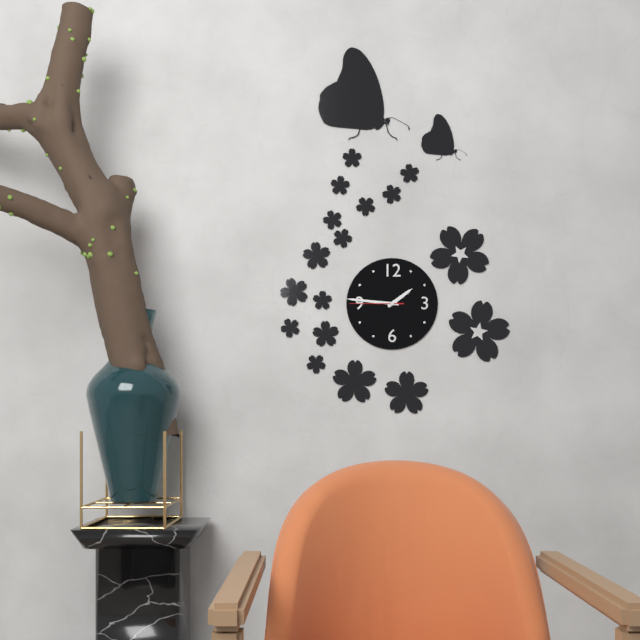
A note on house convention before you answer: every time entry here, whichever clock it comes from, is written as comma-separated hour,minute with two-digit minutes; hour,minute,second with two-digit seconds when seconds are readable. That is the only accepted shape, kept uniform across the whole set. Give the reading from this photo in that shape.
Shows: 1,46,45
